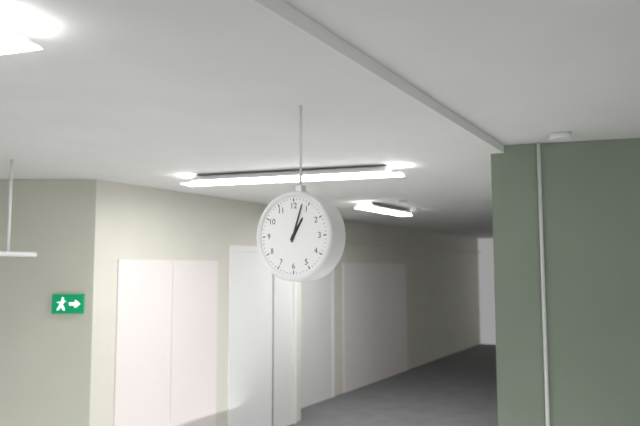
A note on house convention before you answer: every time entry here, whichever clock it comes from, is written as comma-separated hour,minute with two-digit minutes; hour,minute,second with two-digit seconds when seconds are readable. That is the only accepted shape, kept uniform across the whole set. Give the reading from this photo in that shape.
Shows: 1,03
